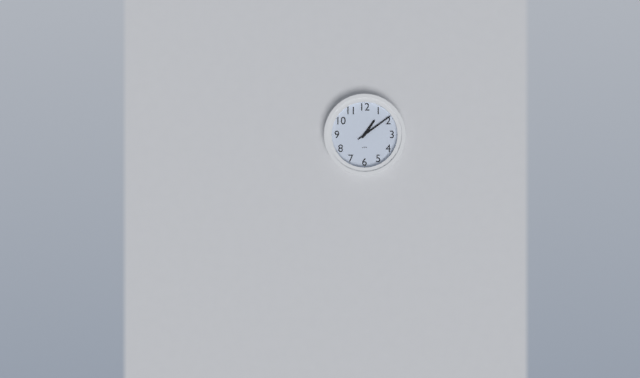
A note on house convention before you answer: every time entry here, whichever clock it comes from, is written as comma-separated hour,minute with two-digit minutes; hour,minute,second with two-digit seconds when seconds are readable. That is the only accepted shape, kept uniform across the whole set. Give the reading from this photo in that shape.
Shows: 1,09
